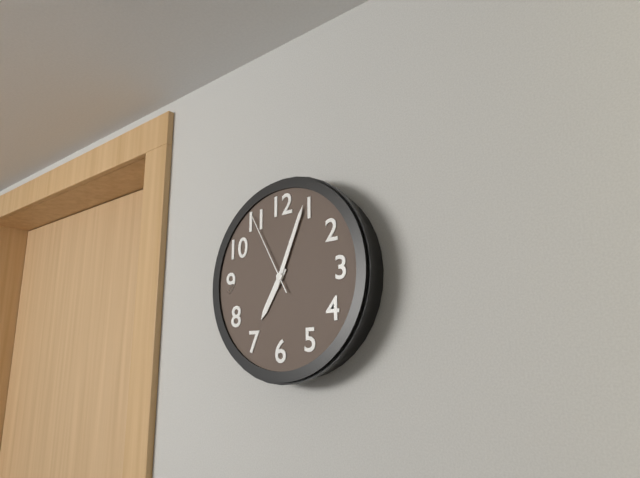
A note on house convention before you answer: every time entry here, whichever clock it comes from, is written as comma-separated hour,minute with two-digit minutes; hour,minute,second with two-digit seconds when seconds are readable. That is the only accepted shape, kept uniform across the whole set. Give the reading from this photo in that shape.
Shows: 7,04,55
